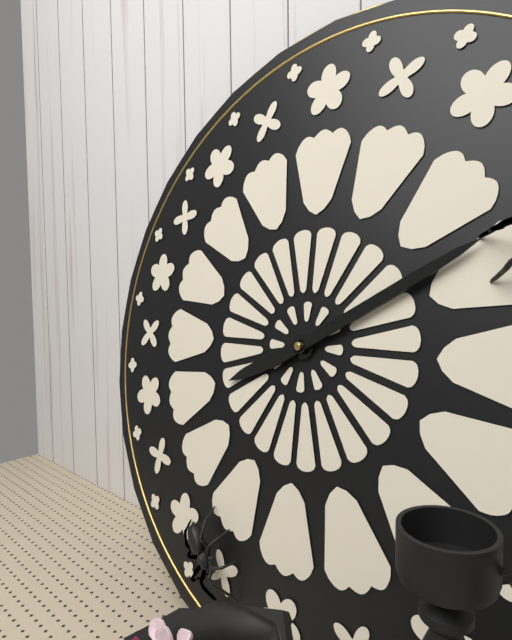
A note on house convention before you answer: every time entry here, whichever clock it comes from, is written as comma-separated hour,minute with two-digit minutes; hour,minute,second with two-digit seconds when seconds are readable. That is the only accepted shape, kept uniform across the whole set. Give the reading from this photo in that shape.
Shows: 8,10
